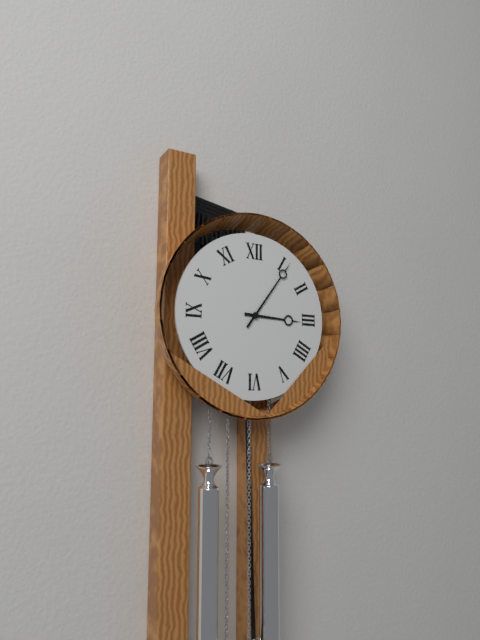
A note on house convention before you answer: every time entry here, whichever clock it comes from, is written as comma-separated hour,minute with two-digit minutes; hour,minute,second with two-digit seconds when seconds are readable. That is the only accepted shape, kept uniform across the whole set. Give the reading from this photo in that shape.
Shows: 3,06
